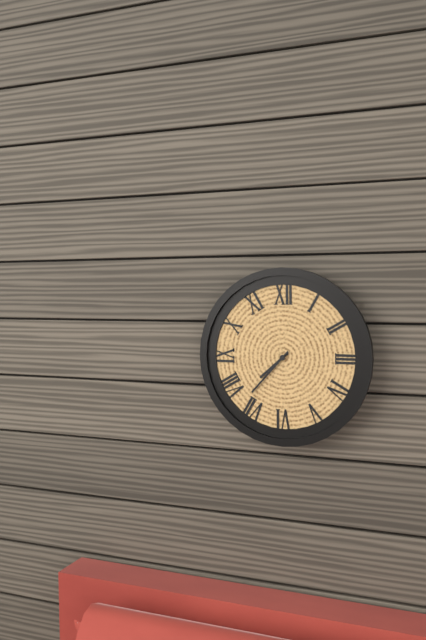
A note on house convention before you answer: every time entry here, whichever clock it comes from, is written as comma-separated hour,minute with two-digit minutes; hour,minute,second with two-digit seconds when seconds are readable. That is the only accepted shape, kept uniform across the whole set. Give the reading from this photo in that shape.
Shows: 7,37
